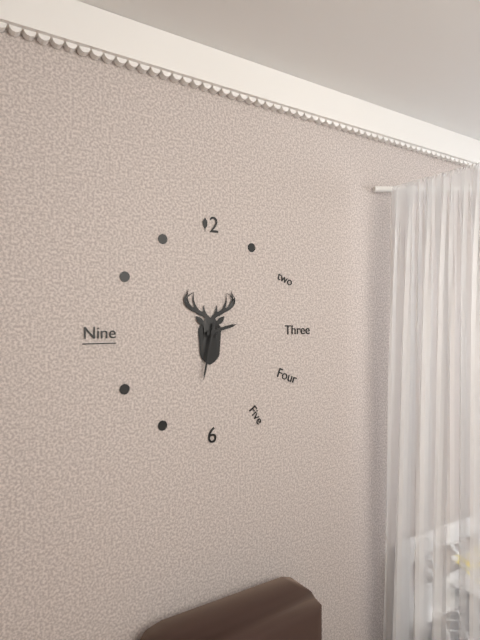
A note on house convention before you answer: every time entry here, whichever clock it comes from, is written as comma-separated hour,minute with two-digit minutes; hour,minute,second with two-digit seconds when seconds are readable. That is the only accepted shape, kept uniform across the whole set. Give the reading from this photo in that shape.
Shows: 2,32
